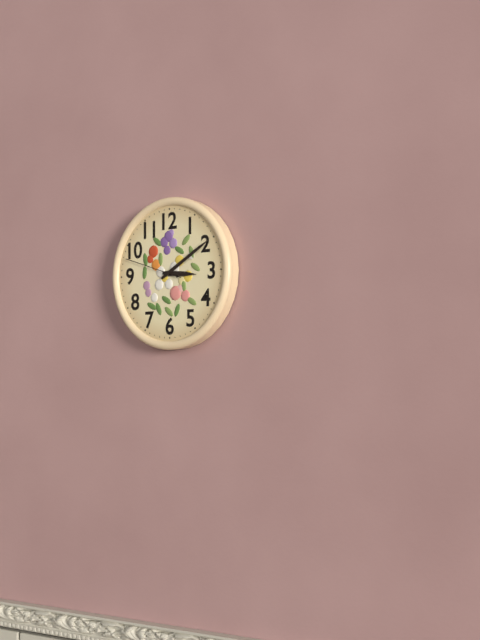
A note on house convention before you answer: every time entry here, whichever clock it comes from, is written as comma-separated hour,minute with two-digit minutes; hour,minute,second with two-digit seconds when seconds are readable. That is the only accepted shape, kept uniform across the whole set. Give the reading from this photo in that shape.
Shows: 3,10,48
